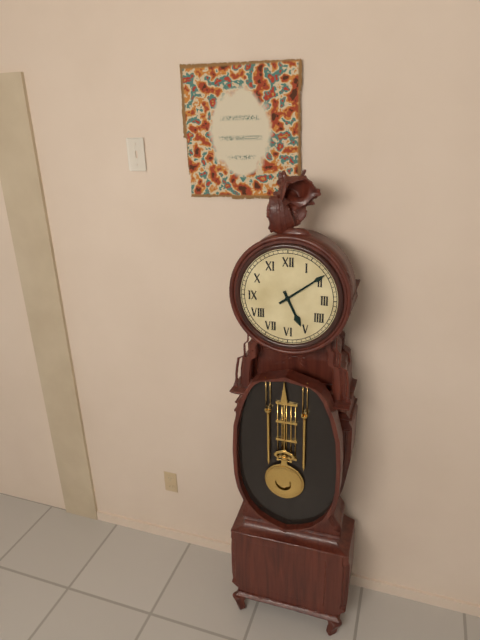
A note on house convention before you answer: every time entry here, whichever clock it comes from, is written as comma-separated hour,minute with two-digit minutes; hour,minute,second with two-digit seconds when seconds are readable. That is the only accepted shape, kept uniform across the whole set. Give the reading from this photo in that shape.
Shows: 5,09
